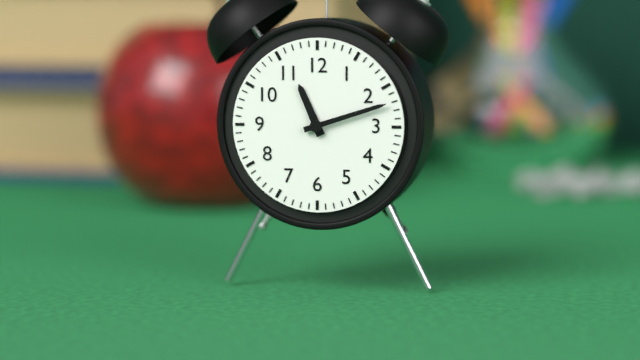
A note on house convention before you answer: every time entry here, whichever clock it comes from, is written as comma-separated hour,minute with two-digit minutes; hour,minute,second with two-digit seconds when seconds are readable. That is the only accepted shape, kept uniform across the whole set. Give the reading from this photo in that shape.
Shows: 11,12
